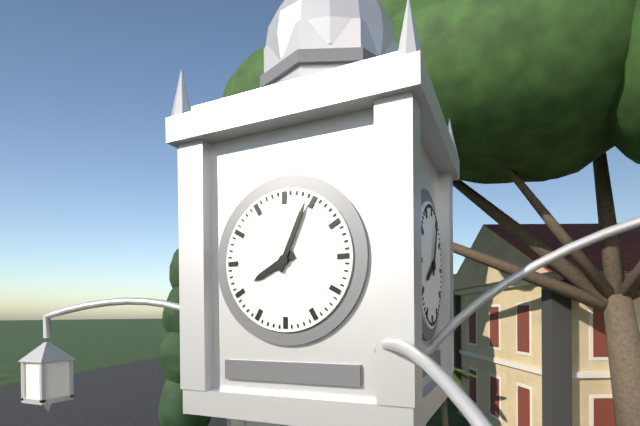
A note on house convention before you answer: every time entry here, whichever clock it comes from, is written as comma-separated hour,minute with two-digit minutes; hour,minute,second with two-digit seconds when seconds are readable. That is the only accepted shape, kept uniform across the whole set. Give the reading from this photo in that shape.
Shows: 8,04
